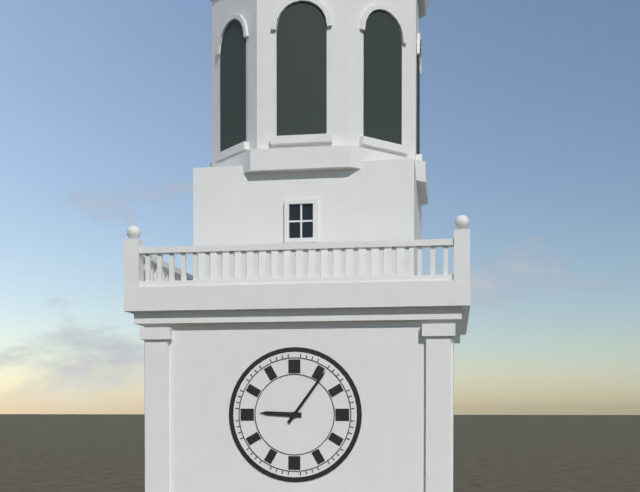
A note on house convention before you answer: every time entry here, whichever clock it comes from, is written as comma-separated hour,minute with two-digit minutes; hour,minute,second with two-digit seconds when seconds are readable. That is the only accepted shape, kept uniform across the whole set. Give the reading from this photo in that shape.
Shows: 9,06
